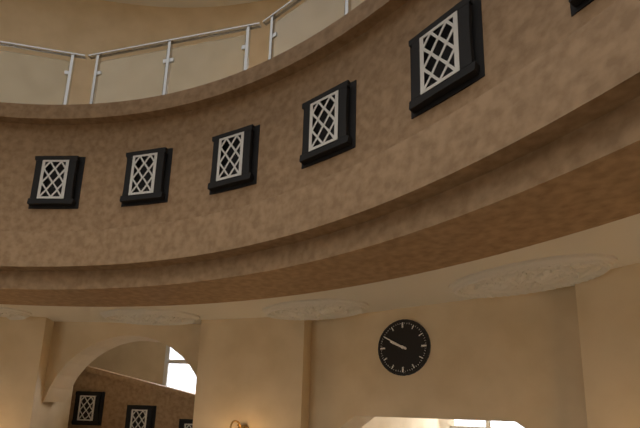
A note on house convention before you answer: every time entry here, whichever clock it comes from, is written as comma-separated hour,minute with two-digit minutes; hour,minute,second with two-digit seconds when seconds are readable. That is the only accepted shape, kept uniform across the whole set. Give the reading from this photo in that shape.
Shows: 9,50
